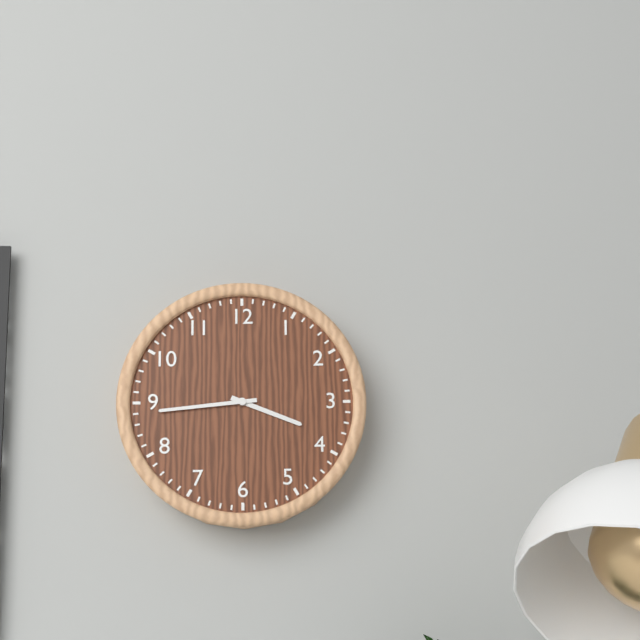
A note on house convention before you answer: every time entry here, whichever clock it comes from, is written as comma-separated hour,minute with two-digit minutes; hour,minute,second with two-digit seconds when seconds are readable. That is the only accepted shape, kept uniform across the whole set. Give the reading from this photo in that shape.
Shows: 3,44
